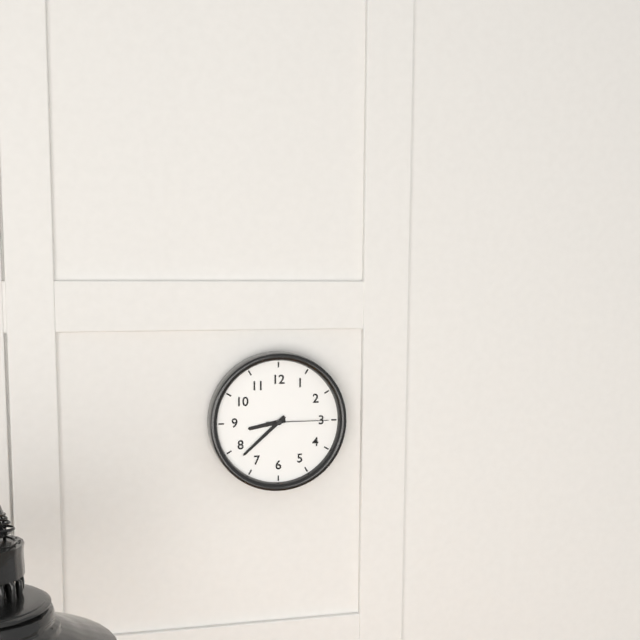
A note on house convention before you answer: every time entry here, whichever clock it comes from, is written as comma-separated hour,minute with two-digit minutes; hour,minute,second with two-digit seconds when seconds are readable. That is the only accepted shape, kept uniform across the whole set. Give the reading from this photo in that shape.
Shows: 8,38,15
